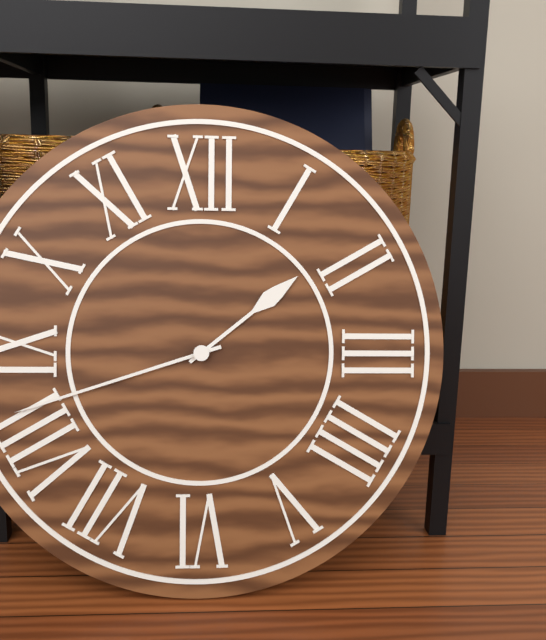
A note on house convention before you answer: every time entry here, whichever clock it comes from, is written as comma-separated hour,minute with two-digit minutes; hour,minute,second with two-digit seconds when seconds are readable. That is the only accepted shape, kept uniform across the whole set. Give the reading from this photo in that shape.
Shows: 1,42
